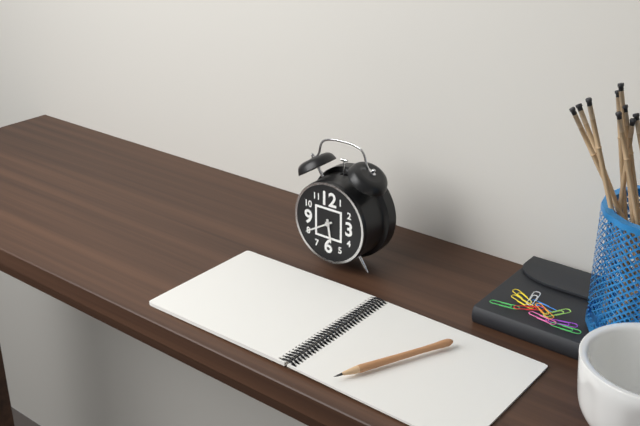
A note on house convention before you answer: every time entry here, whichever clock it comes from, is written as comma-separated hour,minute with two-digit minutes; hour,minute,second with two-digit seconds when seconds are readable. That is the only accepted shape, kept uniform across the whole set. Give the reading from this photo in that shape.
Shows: 5,40
